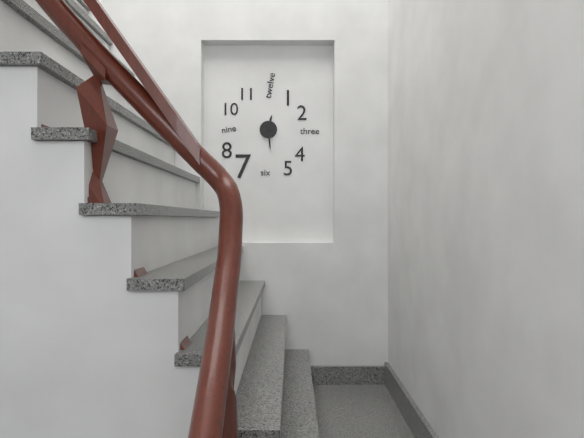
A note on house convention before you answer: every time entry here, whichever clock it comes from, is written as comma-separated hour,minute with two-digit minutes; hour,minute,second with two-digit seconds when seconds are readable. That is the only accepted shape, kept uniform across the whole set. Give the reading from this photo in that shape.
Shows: 12,29
